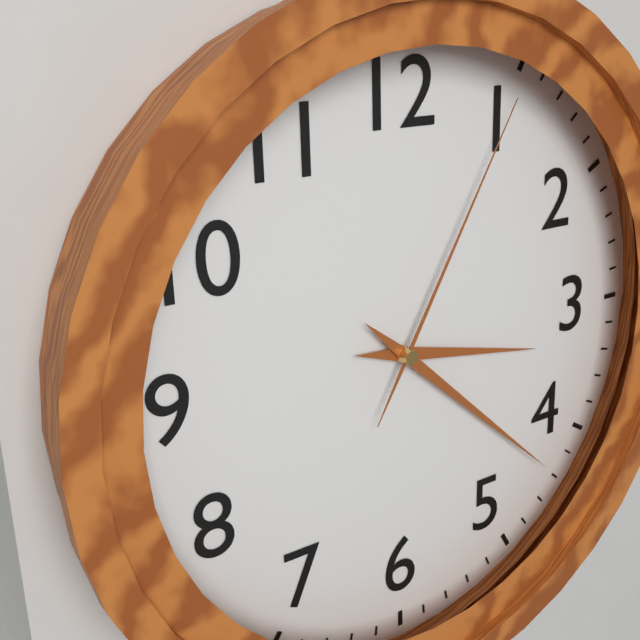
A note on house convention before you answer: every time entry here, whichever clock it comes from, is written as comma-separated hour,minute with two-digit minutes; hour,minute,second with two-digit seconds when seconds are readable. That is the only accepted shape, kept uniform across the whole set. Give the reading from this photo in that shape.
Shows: 3,22,05
